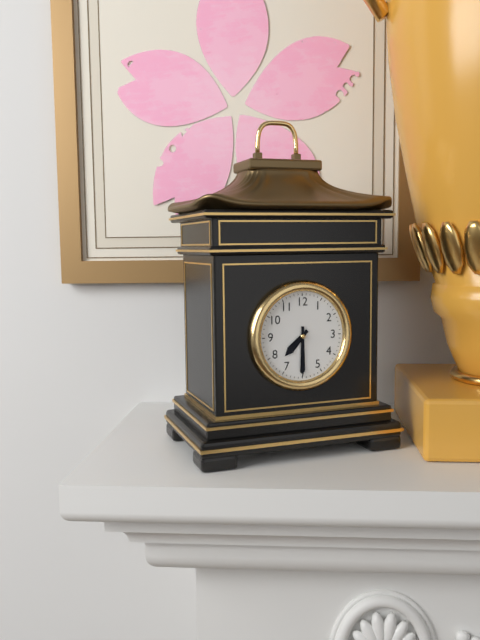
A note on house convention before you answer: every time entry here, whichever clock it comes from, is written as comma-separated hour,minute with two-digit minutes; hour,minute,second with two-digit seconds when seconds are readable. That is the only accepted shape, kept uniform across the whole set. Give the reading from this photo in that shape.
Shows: 7,30
